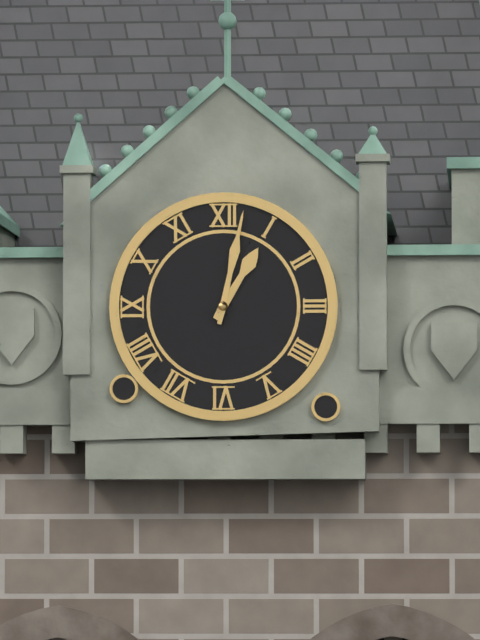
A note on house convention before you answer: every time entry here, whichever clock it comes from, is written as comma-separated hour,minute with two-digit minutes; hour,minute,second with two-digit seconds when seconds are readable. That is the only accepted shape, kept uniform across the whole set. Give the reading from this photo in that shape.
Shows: 1,02
